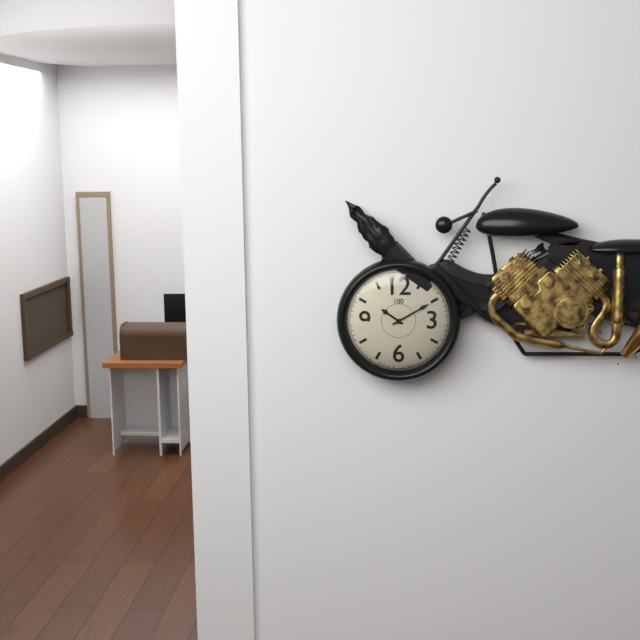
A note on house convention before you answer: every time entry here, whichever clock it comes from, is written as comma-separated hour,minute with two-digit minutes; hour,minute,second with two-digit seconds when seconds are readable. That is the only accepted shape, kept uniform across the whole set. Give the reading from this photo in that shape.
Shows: 10,10
